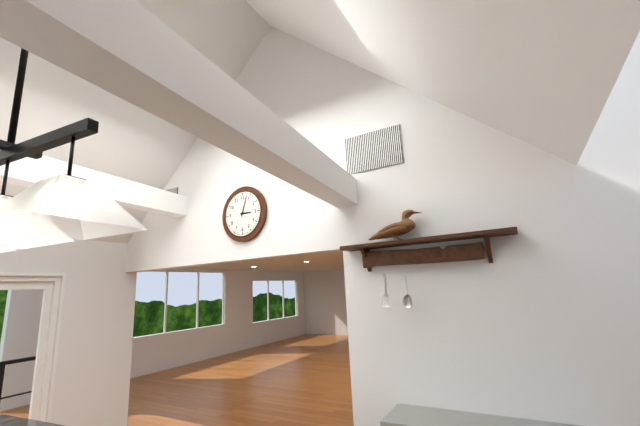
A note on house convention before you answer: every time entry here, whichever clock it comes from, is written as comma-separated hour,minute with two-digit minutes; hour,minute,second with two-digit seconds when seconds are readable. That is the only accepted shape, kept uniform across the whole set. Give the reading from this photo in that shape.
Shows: 3,03
